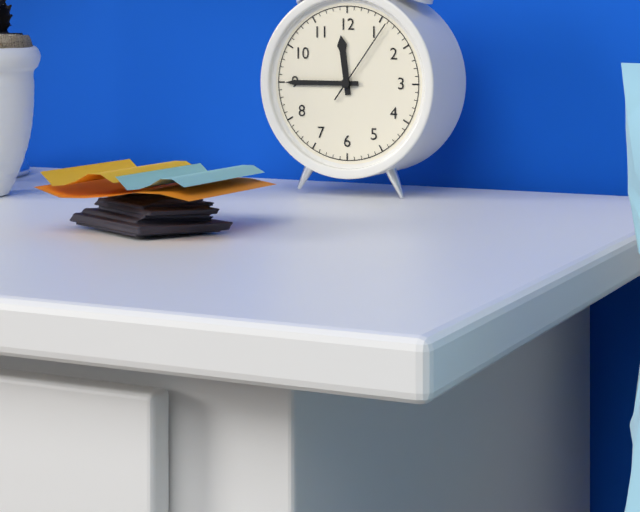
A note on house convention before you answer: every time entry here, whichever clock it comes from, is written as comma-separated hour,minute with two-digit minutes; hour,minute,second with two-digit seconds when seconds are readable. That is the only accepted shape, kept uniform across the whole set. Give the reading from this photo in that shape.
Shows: 11,45,06
